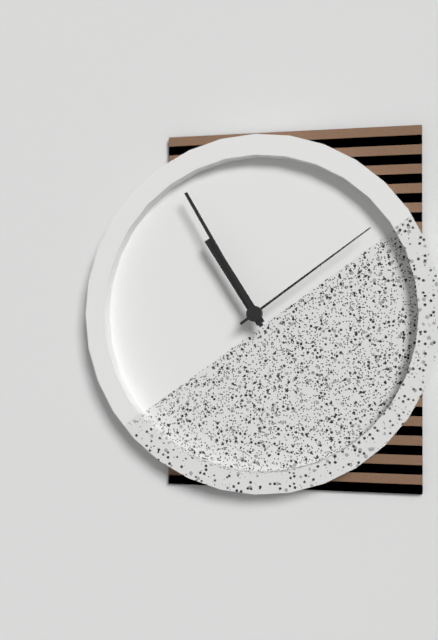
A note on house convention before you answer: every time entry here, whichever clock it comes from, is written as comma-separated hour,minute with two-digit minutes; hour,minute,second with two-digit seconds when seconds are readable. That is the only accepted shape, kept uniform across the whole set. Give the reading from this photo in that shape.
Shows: 10,55,09
